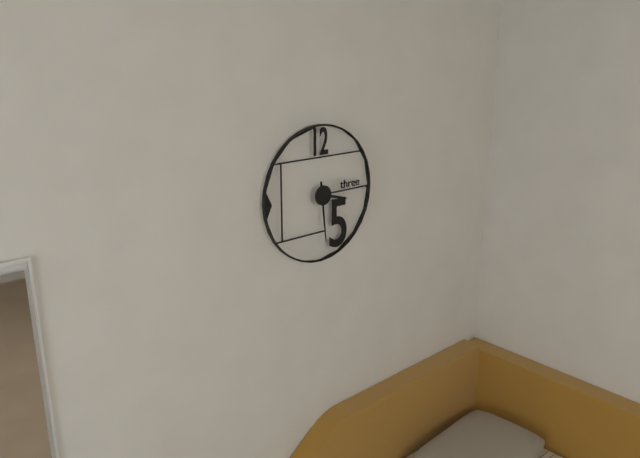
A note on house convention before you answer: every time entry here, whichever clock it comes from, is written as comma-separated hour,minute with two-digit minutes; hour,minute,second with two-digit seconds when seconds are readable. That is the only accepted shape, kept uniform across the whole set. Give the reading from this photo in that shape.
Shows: 3,29
